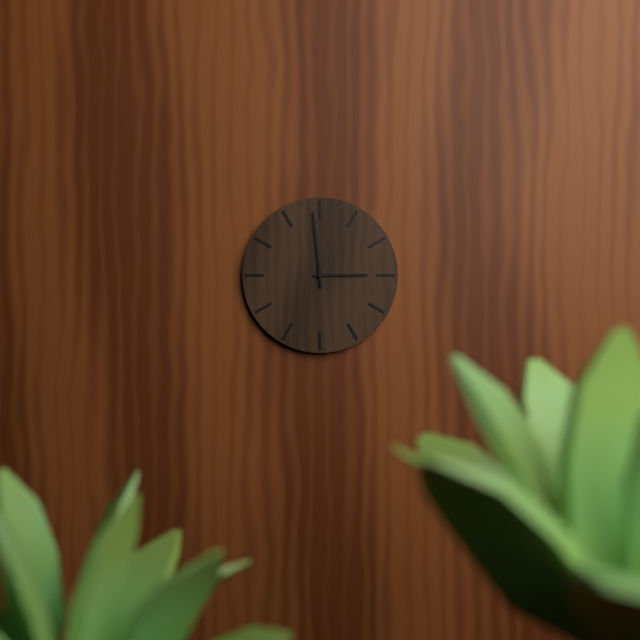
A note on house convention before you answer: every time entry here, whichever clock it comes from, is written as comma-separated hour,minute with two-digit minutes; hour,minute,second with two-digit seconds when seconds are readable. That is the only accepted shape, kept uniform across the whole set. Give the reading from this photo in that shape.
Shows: 2,59
